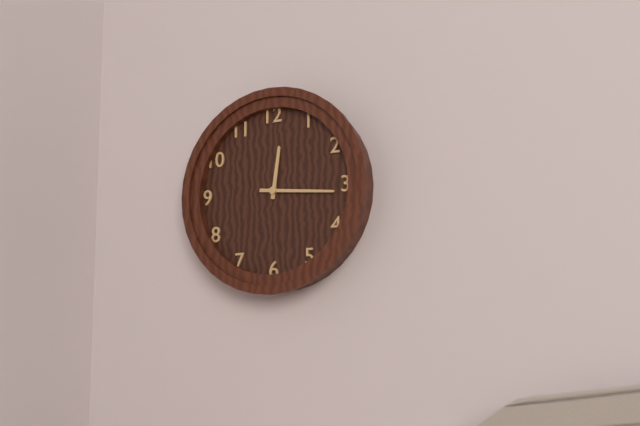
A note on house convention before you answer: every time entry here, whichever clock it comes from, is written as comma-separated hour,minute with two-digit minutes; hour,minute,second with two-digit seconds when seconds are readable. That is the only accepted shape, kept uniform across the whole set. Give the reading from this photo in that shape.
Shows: 12,16
